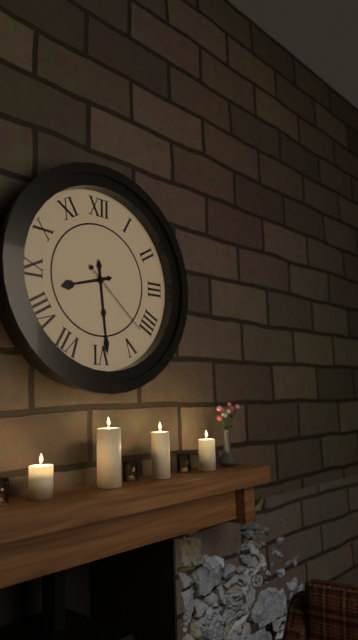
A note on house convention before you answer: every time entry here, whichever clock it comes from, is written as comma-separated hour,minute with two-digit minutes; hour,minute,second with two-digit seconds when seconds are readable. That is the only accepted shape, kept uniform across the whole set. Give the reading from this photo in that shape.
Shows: 8,29,22
